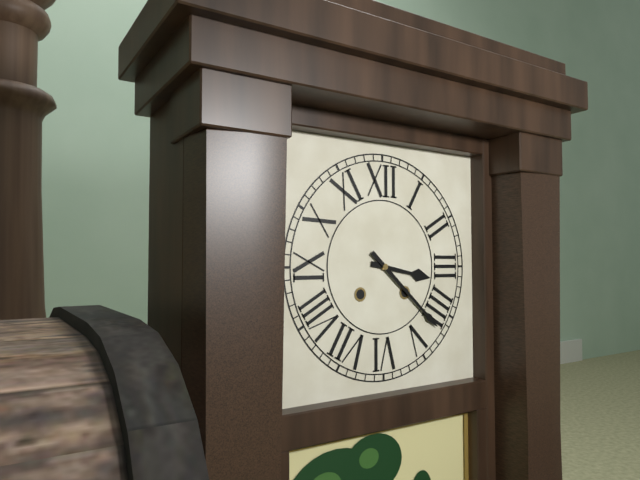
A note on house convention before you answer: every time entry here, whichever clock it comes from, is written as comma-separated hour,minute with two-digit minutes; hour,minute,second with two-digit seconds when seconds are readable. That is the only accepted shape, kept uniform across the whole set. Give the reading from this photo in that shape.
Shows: 3,22
